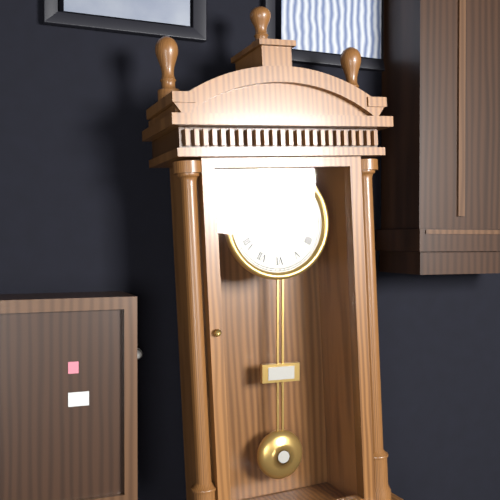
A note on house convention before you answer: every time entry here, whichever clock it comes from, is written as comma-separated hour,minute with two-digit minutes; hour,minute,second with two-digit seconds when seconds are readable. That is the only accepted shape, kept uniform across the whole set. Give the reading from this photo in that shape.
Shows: 1,56
